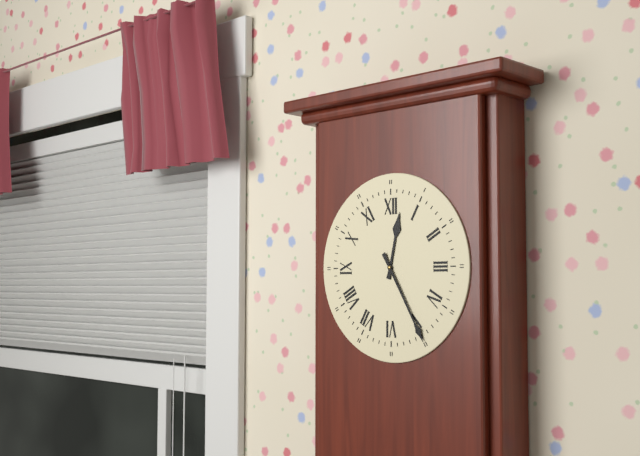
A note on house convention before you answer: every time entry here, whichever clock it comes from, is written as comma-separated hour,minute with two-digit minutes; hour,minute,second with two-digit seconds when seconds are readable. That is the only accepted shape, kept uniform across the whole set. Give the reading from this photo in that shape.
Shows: 12,25
